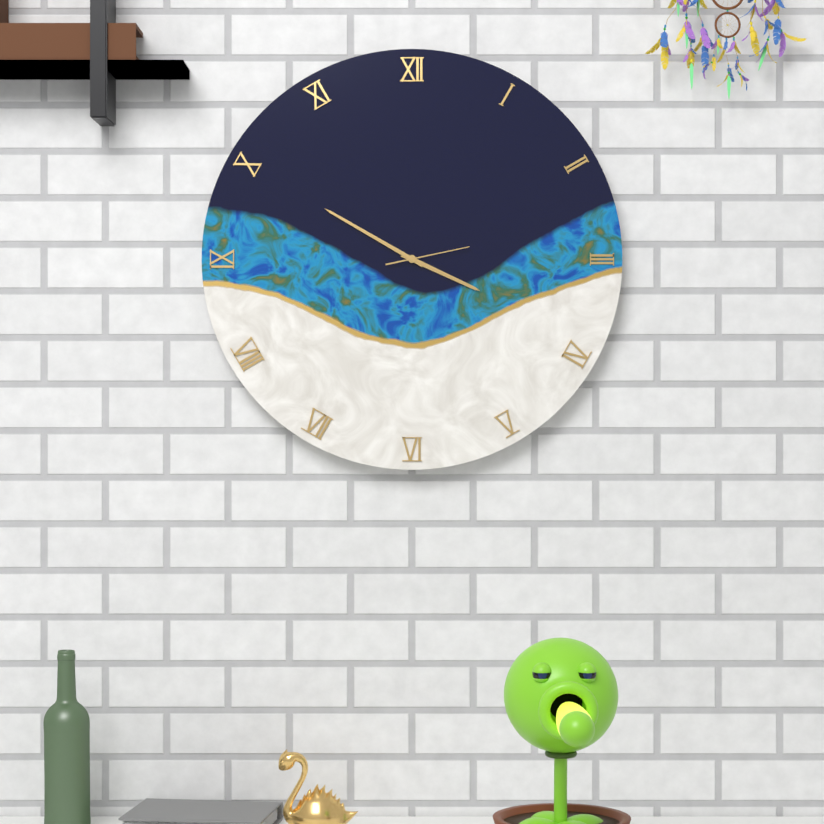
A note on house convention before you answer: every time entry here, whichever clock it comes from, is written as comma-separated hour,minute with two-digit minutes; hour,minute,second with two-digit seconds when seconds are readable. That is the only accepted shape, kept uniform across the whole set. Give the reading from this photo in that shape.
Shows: 3,50,13
